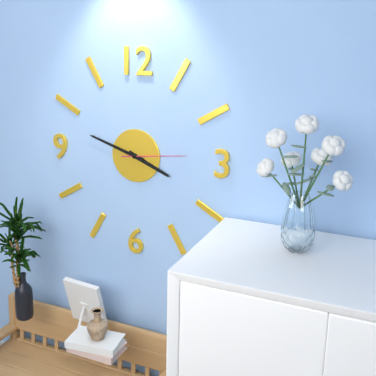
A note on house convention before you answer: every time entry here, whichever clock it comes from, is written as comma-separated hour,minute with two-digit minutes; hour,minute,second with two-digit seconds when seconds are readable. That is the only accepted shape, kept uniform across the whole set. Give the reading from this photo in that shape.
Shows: 3,48,14
